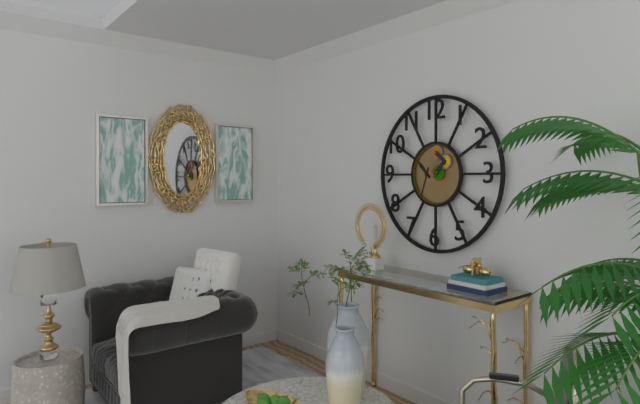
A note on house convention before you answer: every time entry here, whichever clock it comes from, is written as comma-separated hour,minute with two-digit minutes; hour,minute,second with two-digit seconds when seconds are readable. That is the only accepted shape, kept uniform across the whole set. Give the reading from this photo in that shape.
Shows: 10,33
